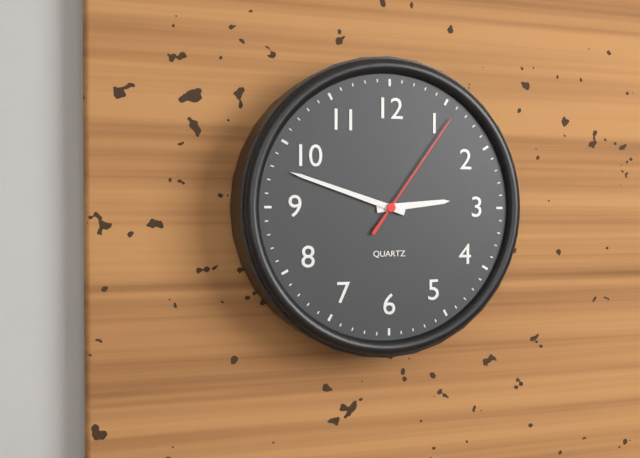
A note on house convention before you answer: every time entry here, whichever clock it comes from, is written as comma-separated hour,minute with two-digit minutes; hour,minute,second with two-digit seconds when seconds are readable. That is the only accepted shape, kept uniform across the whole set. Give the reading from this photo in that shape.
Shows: 2,48,06
